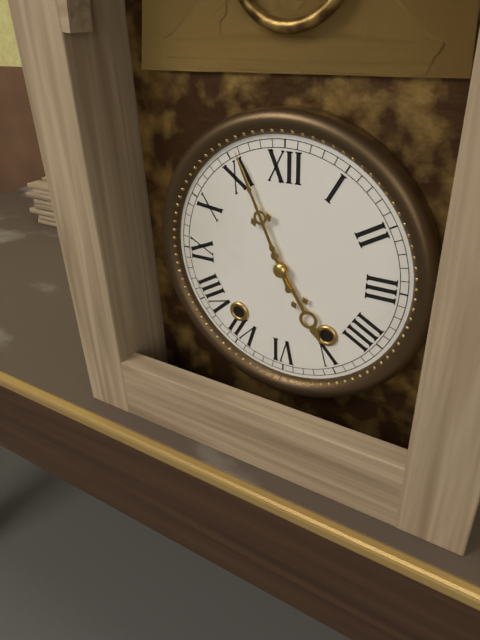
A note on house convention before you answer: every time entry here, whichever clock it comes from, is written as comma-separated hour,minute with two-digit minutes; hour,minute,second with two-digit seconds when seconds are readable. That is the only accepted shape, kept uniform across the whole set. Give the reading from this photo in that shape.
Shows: 4,56
